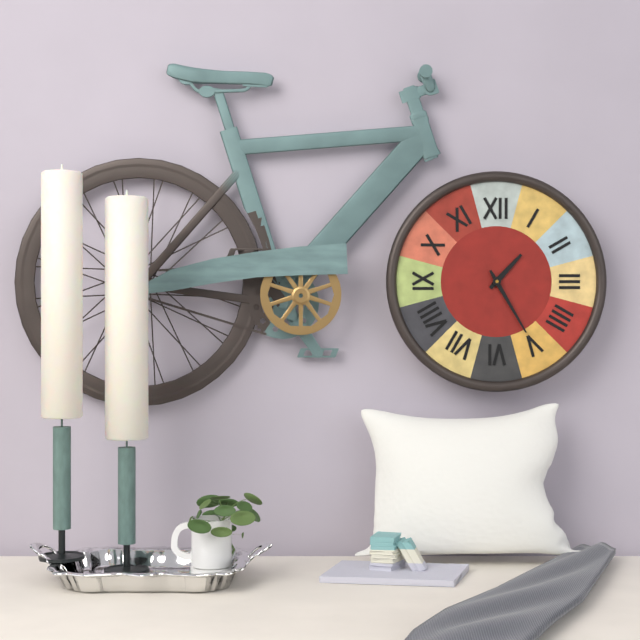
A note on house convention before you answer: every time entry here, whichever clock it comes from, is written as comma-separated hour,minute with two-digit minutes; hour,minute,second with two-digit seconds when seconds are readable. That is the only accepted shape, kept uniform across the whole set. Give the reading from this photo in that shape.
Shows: 1,25
